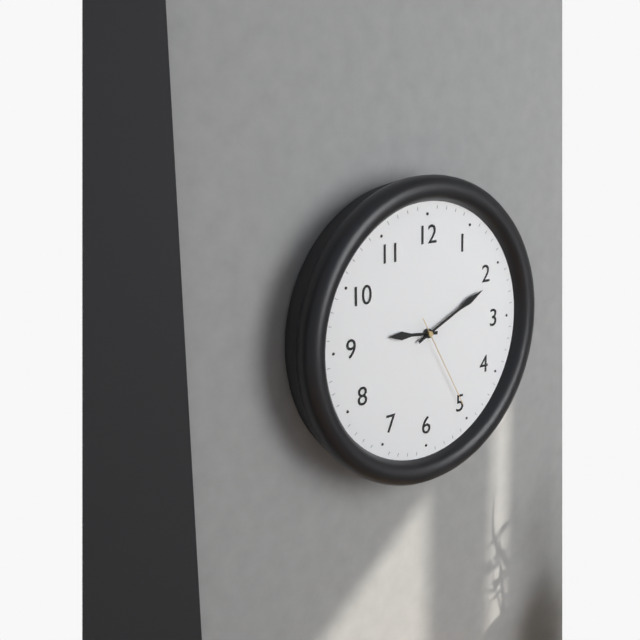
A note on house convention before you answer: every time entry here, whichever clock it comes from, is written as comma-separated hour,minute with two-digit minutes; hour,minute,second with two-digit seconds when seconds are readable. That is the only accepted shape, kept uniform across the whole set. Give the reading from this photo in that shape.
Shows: 9,11,25
